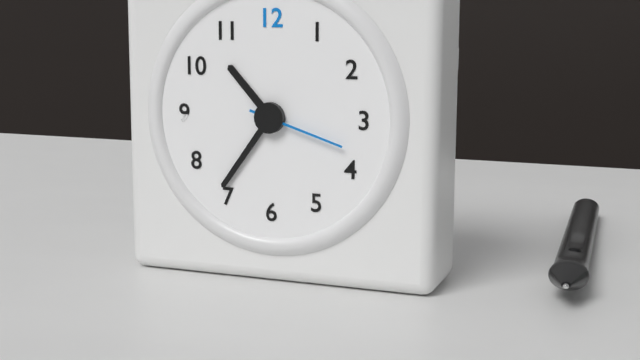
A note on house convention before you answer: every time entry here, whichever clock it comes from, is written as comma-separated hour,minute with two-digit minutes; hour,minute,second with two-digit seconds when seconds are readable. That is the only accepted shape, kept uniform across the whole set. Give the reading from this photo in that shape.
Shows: 10,36,18
